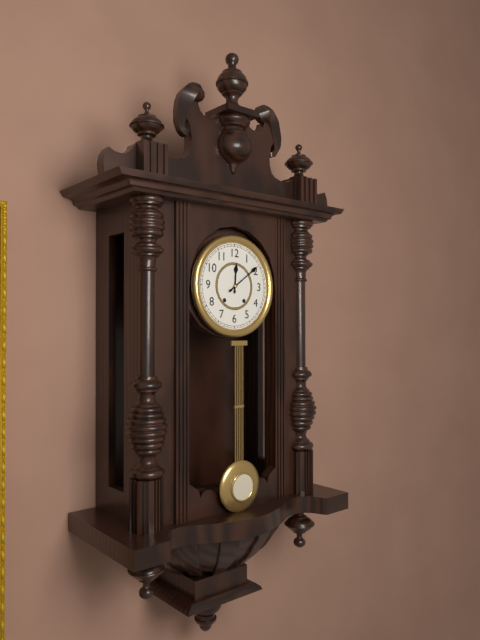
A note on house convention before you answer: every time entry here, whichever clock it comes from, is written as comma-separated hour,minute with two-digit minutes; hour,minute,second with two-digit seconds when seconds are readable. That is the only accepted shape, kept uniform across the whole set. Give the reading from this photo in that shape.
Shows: 12,09
